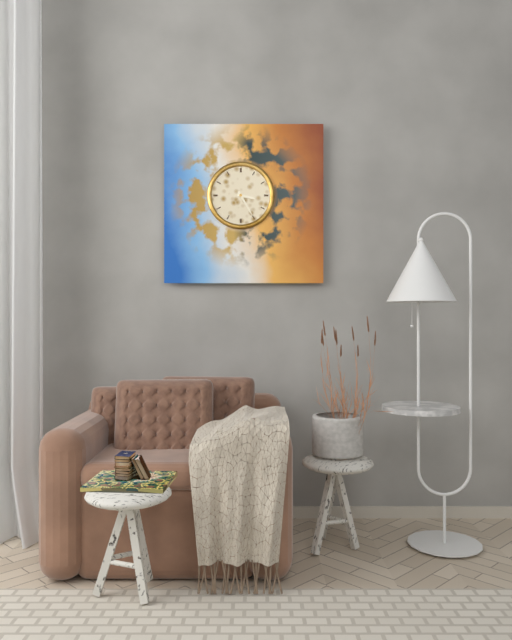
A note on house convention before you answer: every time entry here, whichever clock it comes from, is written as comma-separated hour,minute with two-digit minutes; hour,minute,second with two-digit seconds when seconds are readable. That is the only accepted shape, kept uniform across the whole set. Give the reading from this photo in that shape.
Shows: 3,25
